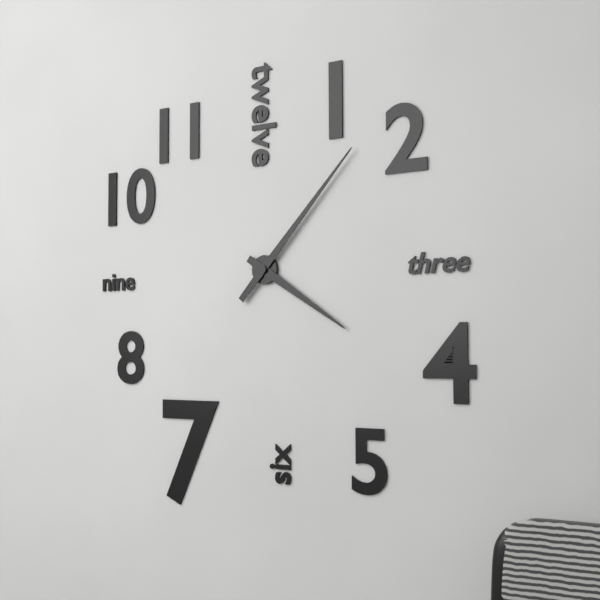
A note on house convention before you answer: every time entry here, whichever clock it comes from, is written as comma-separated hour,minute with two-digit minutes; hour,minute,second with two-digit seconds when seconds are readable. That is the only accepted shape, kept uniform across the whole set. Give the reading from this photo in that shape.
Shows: 4,07
